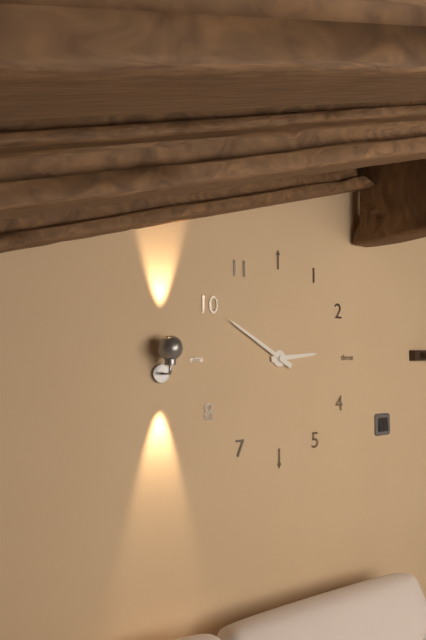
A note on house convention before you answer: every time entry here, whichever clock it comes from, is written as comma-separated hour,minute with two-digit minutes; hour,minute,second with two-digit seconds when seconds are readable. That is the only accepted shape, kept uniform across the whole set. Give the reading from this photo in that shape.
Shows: 2,50
